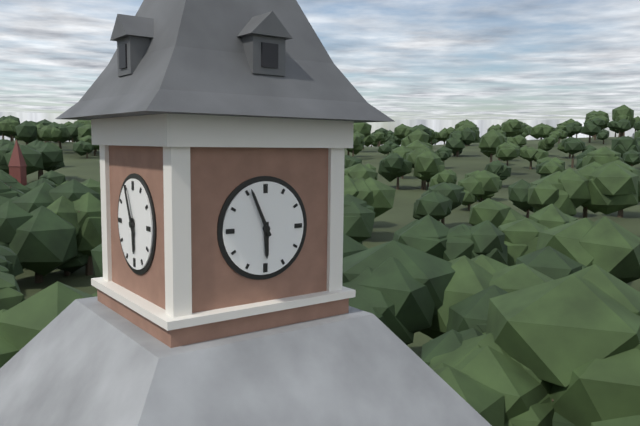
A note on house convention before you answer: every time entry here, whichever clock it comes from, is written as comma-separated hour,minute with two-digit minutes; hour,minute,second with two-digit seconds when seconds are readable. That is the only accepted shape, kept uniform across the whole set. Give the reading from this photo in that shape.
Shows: 5,56
